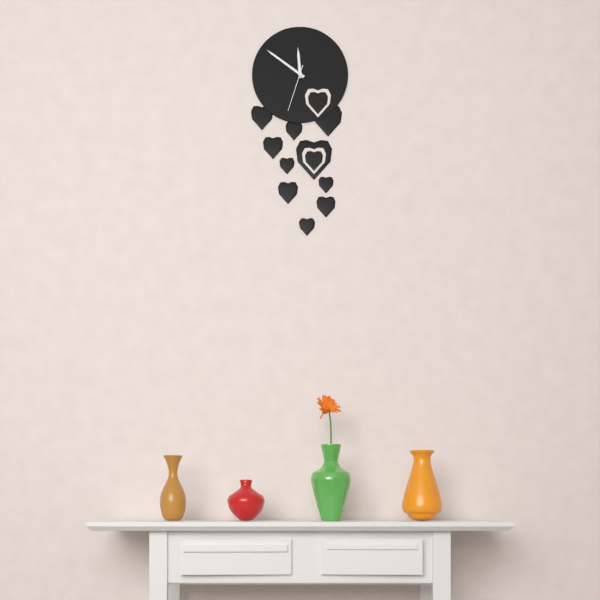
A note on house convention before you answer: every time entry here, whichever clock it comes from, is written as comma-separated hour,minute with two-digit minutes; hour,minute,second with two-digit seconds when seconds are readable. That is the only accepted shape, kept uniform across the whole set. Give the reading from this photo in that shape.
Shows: 11,51
